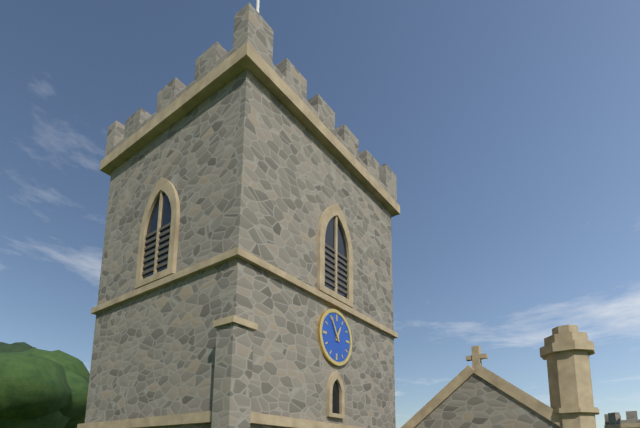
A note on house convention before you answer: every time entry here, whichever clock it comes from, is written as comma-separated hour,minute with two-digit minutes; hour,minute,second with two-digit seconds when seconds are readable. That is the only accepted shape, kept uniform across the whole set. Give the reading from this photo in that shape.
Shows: 12,55
